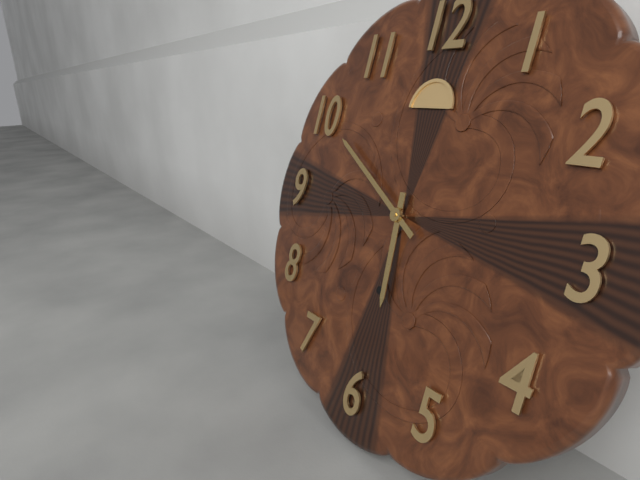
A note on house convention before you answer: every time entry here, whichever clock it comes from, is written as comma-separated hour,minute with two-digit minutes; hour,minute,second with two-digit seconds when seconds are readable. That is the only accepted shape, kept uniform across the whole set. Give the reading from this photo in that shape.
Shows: 5,50
